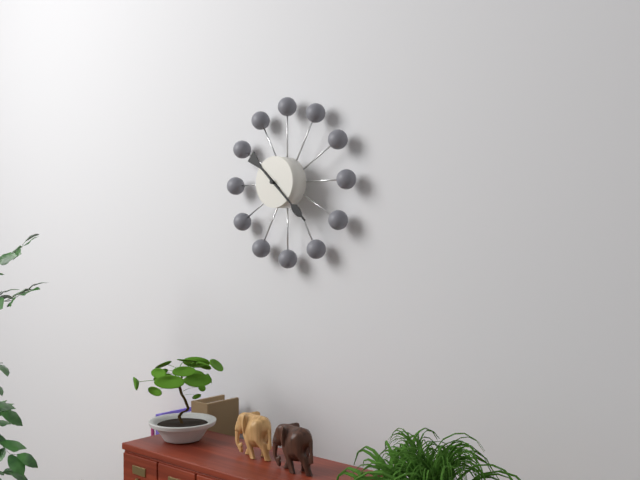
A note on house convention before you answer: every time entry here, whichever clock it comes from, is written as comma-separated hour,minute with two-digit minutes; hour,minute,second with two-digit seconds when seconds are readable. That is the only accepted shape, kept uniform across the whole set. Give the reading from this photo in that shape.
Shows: 10,22
